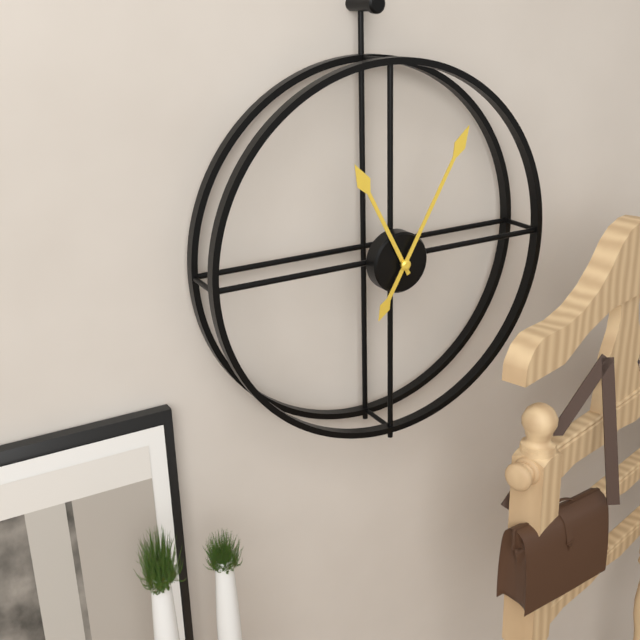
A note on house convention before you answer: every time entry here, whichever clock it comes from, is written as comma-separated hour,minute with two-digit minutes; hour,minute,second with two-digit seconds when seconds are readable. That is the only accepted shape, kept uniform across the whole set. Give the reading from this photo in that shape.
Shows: 11,05
